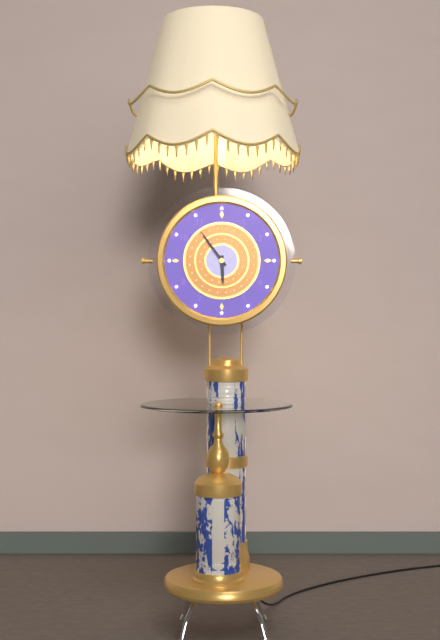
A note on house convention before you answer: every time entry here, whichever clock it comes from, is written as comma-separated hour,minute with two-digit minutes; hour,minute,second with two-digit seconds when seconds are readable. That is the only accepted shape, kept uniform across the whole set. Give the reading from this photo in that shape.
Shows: 5,54
